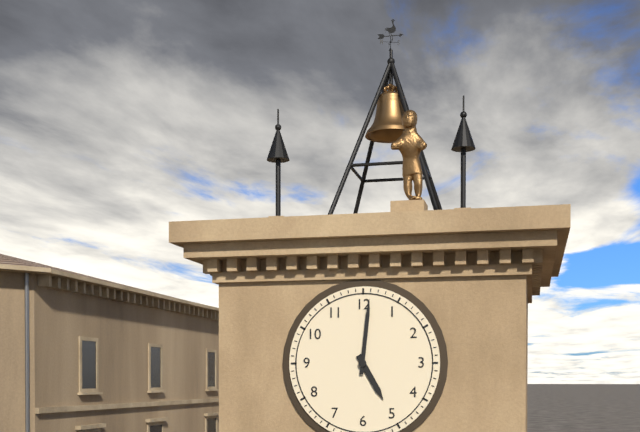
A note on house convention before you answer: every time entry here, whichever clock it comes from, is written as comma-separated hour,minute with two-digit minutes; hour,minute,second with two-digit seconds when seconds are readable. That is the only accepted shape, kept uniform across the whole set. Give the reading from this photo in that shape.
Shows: 5,01
